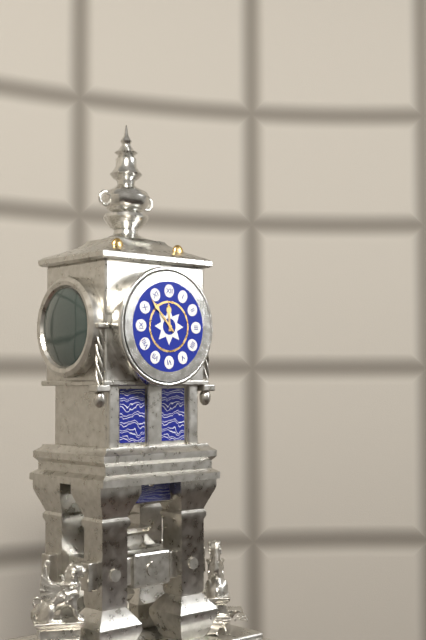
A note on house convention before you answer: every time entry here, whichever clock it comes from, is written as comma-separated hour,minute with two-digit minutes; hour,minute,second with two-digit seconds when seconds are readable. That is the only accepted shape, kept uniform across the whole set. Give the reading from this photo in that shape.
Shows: 11,53
